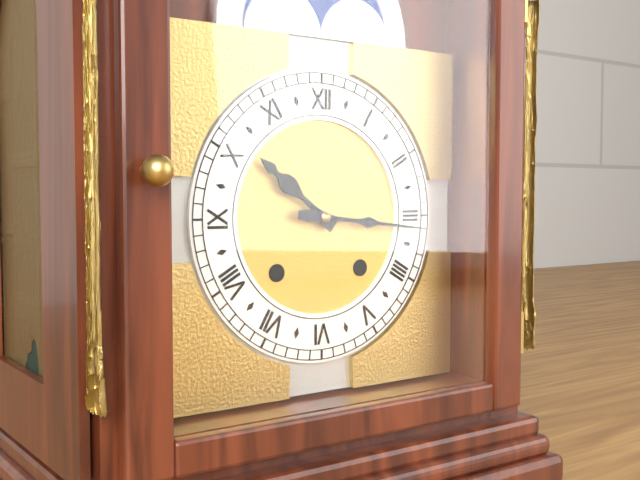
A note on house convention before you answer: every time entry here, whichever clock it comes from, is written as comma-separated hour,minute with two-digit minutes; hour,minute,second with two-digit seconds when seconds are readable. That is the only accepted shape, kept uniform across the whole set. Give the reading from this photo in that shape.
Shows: 10,16
